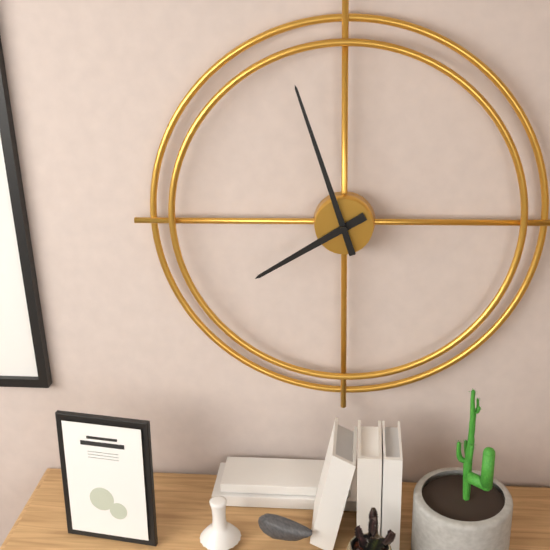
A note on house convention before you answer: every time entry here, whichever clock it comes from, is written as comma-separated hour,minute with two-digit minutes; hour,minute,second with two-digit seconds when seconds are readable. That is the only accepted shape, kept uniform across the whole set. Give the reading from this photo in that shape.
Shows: 7,57
